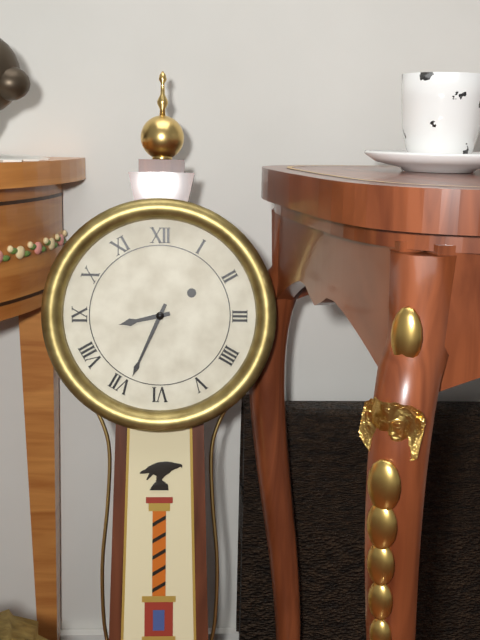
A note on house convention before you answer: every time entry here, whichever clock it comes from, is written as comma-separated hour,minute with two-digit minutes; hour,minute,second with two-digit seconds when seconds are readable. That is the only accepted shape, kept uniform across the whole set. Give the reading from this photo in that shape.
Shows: 8,34
